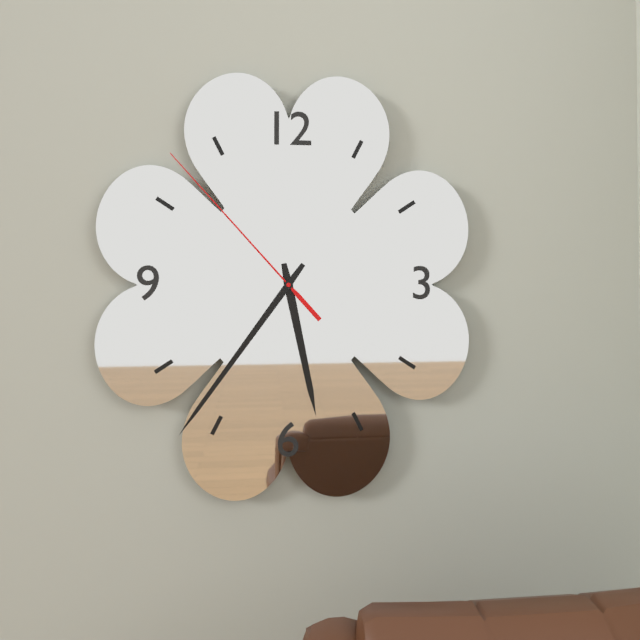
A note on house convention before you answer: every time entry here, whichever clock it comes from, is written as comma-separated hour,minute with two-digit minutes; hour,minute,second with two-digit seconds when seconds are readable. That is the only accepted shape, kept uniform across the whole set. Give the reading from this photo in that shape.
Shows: 5,36,53
